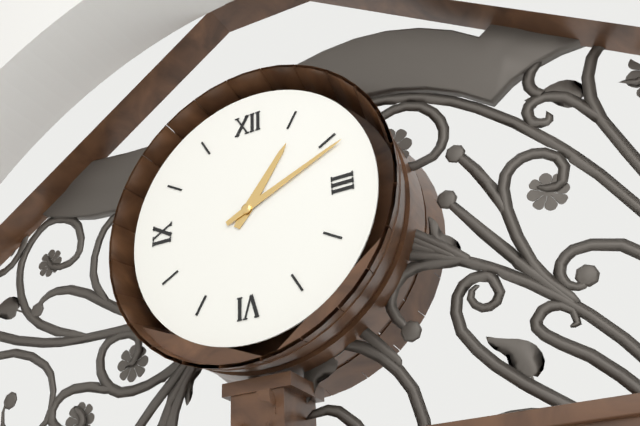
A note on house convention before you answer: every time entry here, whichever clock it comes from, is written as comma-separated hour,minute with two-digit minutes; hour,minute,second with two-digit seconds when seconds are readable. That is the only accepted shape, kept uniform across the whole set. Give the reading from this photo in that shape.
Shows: 1,11
